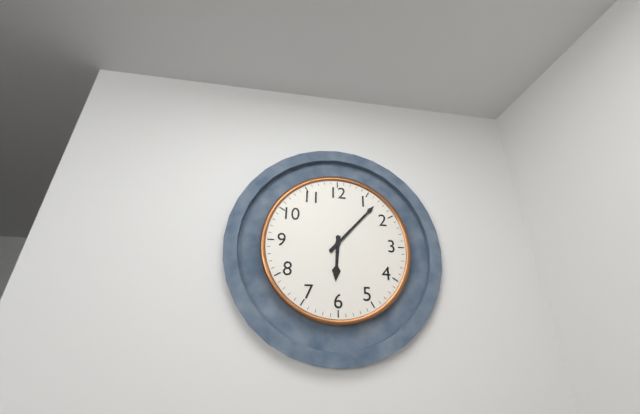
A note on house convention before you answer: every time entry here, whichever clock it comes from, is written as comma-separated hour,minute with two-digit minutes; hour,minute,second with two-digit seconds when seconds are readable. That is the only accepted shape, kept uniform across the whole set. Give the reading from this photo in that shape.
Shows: 6,07
